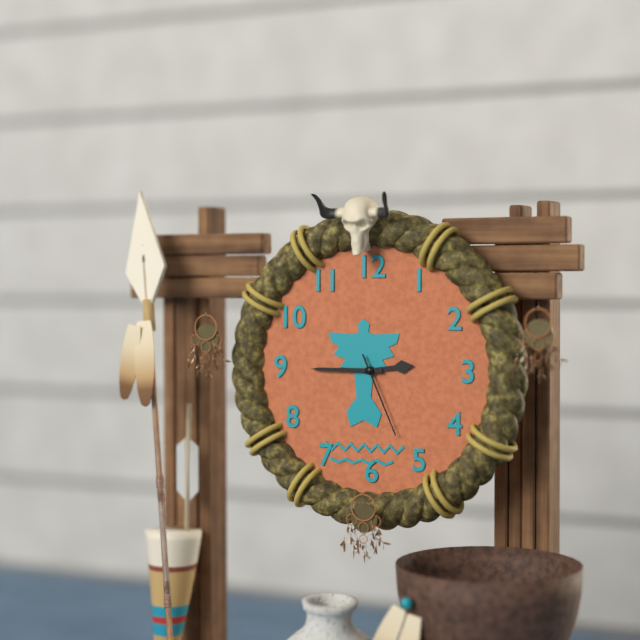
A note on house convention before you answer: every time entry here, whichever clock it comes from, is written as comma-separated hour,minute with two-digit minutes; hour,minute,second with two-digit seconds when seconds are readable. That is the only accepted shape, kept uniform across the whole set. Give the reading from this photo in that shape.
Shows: 2,45,26
